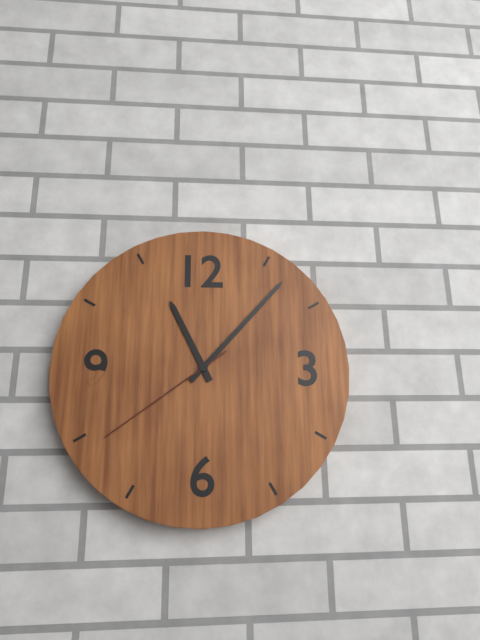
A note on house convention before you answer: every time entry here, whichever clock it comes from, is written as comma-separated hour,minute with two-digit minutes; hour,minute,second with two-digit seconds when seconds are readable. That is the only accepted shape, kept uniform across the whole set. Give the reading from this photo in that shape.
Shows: 11,07,39
